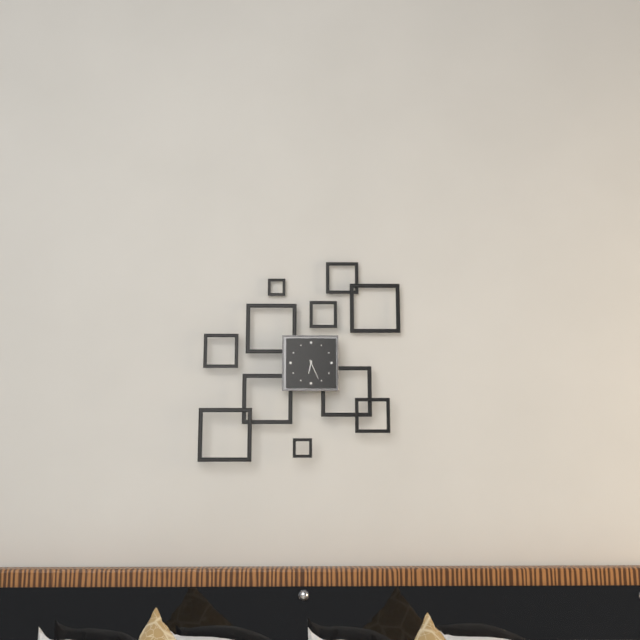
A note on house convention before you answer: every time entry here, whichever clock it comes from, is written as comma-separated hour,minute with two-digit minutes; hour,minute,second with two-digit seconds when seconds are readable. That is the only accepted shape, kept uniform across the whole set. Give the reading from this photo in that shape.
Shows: 6,26
